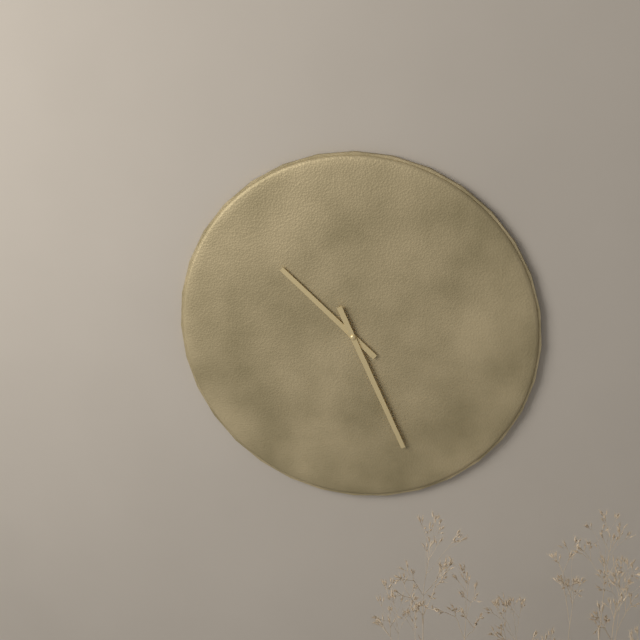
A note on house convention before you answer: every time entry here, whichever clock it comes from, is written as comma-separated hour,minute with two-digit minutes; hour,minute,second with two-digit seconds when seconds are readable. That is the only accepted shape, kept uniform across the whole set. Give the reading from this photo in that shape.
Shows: 10,26
